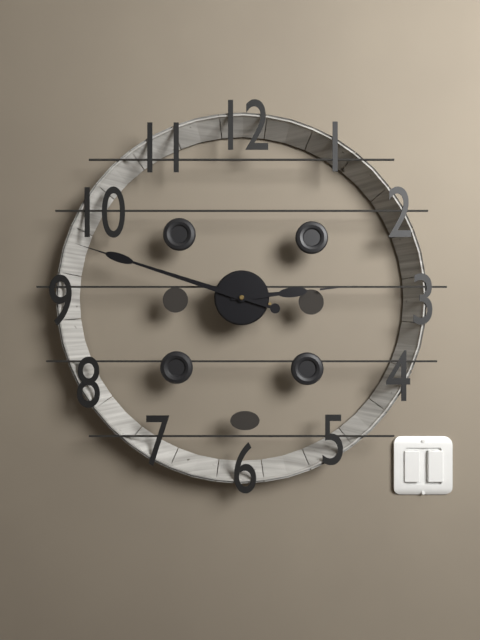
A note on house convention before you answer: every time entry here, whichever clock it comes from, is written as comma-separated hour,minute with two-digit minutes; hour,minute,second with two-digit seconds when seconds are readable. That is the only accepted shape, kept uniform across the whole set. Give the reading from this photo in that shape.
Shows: 2,48
